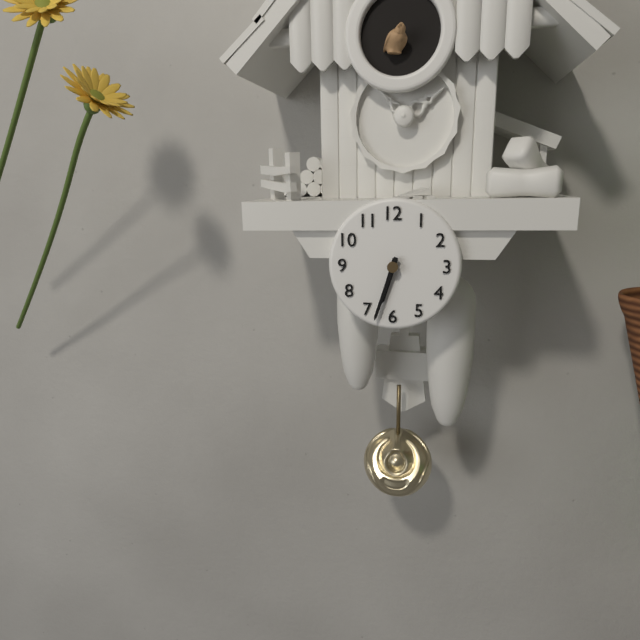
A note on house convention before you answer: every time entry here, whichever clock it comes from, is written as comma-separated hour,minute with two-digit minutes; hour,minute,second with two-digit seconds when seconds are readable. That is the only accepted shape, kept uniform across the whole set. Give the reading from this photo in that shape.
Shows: 6,33
